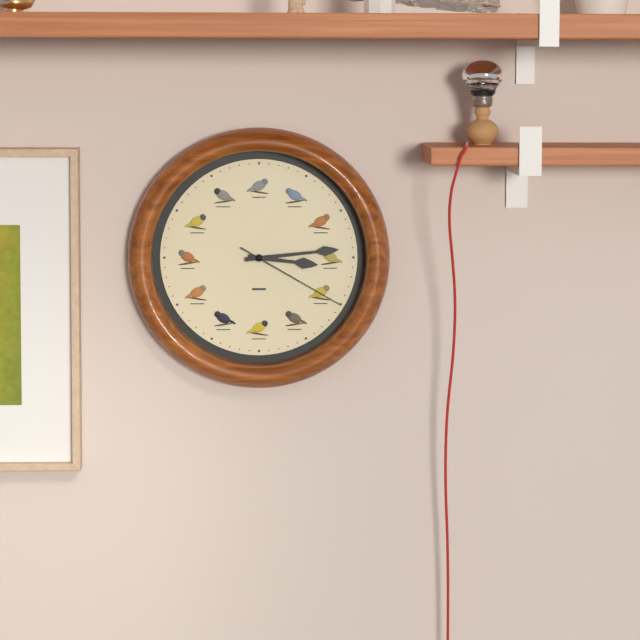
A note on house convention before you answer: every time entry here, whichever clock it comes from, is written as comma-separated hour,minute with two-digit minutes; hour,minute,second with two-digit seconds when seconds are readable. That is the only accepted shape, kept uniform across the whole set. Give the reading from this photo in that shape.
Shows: 3,14,20
